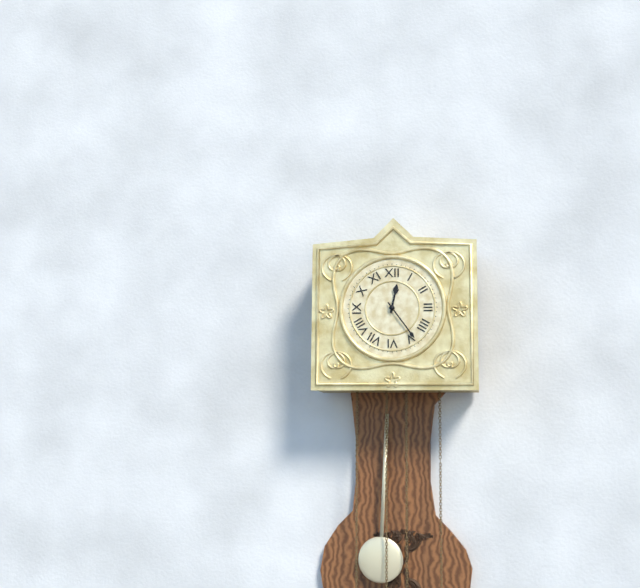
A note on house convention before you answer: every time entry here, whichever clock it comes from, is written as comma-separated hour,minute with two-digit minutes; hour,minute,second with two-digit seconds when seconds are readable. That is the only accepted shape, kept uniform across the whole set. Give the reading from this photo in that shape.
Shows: 12,24
